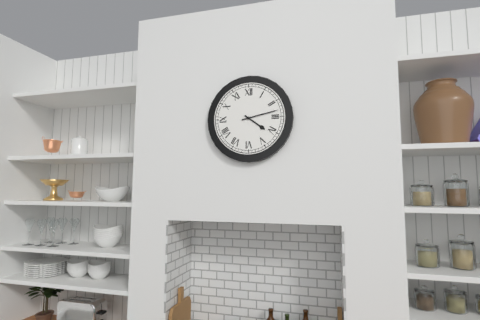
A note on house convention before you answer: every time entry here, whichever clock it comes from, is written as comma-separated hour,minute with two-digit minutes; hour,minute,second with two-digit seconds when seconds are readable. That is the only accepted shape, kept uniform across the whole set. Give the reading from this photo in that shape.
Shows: 4,13
